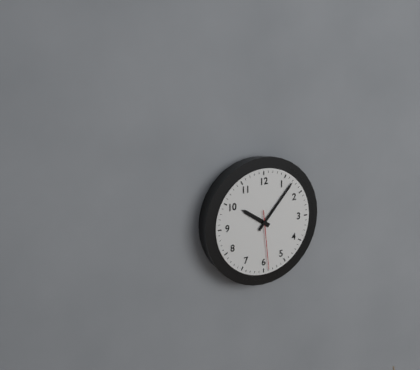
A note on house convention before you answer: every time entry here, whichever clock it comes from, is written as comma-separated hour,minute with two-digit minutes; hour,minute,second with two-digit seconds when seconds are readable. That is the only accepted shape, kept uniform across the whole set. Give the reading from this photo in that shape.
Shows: 10,07,29
